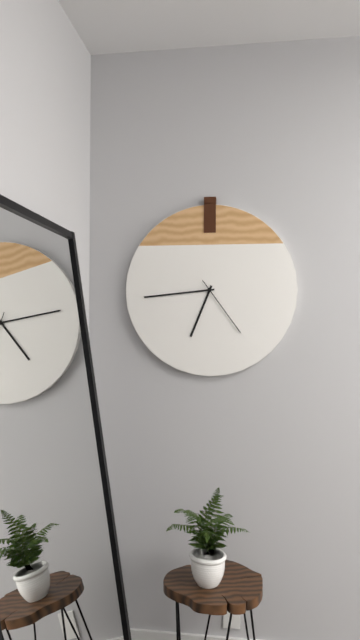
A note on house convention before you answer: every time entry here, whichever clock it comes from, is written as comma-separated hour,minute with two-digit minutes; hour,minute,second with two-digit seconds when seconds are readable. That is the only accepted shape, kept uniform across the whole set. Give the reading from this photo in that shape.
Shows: 6,44,24
